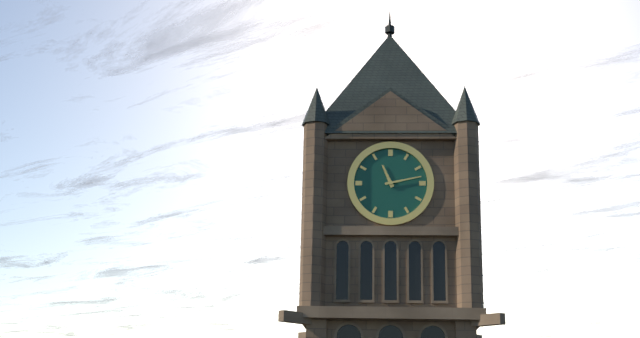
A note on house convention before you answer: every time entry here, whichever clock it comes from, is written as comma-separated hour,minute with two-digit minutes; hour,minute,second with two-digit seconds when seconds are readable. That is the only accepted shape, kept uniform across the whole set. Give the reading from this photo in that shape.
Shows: 11,13
